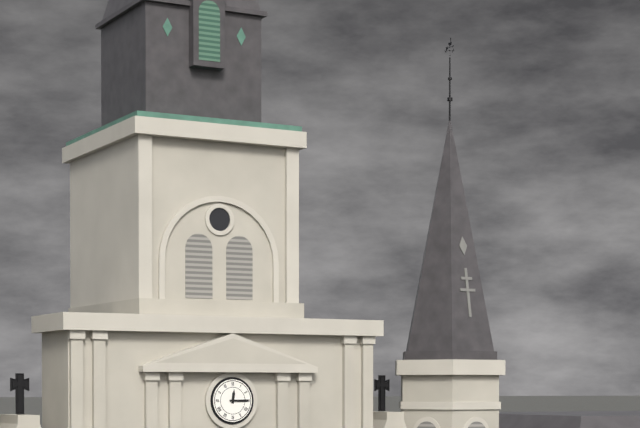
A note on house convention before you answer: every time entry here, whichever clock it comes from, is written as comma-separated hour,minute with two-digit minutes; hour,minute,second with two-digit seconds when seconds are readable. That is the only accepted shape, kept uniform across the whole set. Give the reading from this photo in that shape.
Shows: 12,15
